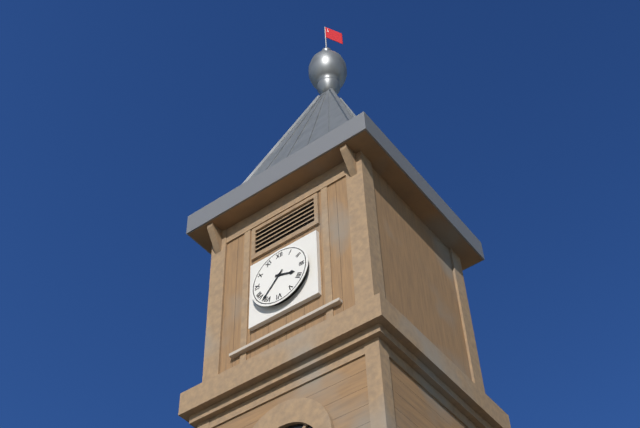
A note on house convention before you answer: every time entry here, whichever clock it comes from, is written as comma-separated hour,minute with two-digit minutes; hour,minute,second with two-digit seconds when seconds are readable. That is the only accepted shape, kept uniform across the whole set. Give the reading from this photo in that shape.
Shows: 3,37
